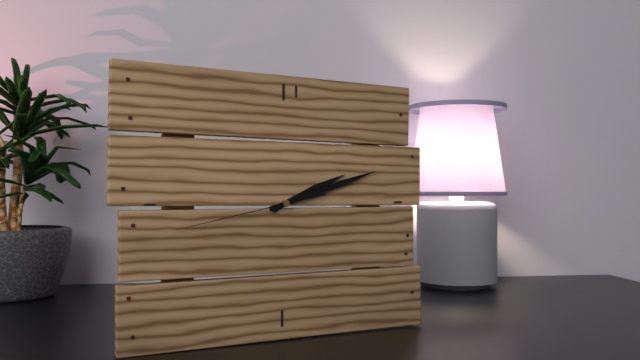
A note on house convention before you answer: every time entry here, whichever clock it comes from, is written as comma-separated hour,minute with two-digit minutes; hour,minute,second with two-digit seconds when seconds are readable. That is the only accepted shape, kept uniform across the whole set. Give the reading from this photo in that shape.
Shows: 2,12,43
